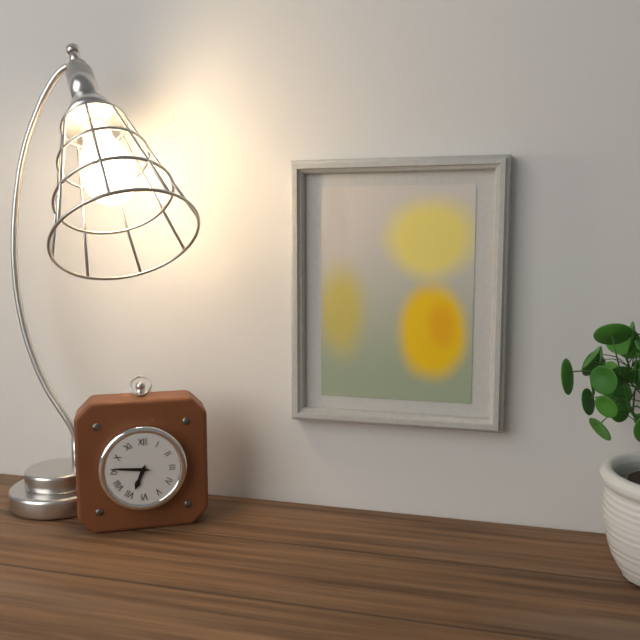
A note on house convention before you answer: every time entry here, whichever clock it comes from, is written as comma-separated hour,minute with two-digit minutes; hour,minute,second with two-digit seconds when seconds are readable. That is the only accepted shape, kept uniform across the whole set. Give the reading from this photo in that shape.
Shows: 6,46
